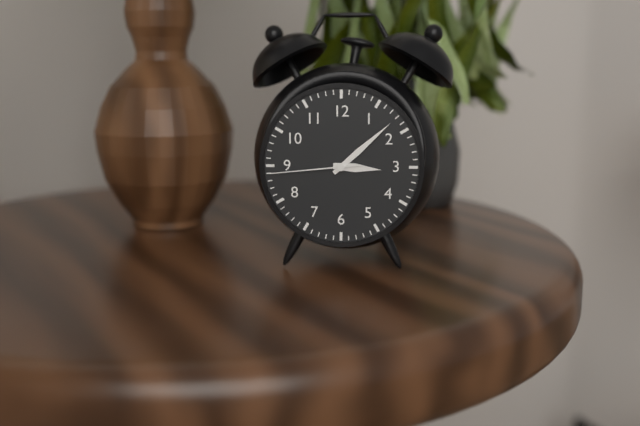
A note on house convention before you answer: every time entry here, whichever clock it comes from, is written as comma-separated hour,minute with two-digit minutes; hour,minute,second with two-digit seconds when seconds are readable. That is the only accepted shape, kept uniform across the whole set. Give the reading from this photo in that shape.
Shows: 3,08,44
